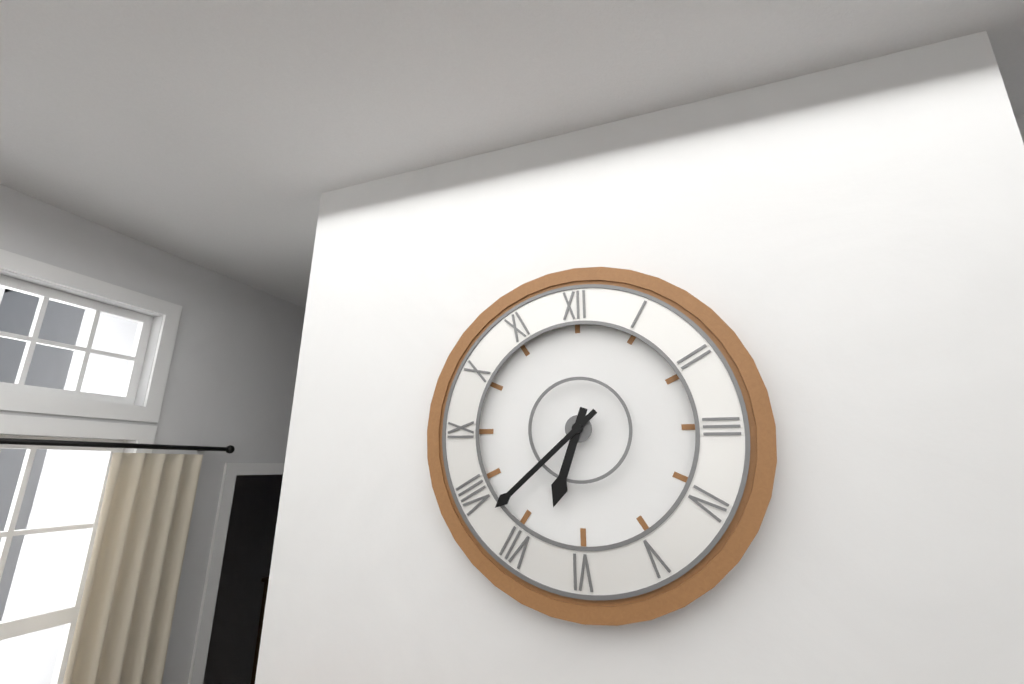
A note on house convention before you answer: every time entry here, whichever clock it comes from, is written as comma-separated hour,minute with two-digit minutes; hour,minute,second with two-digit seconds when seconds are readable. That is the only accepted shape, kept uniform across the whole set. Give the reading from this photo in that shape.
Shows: 6,38
